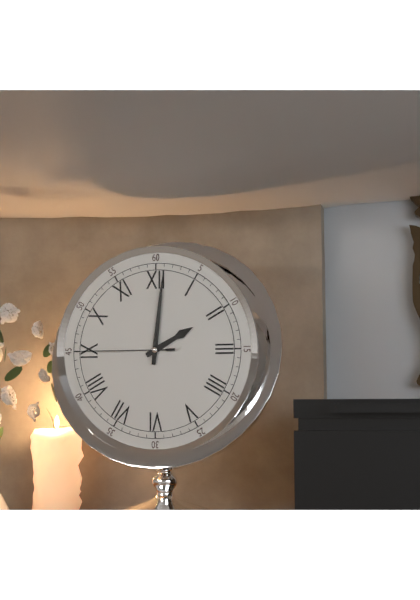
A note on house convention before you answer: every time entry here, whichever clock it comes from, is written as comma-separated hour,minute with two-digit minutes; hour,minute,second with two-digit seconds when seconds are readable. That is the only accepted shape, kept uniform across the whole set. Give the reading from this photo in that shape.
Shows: 2,01,45
